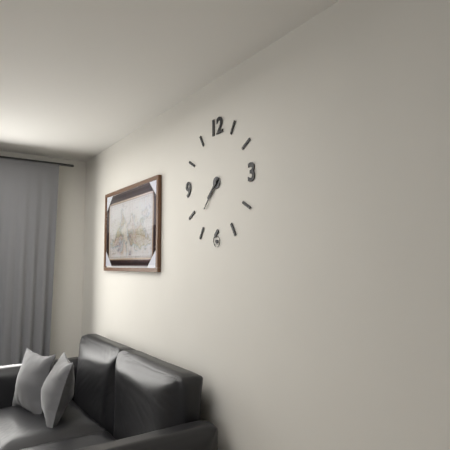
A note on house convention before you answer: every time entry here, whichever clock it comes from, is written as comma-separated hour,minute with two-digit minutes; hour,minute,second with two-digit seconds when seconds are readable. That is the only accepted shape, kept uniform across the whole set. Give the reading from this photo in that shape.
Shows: 7,37
